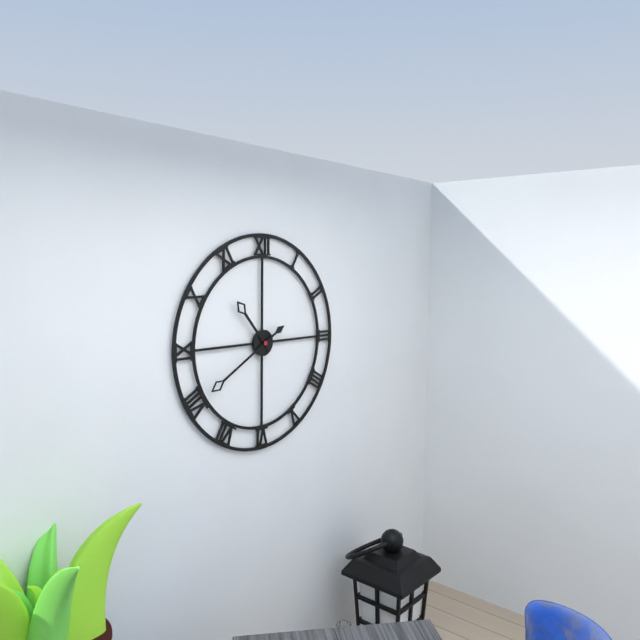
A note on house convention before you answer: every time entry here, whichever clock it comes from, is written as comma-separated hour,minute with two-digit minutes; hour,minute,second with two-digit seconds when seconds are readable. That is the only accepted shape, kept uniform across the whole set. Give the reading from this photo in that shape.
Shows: 10,40
